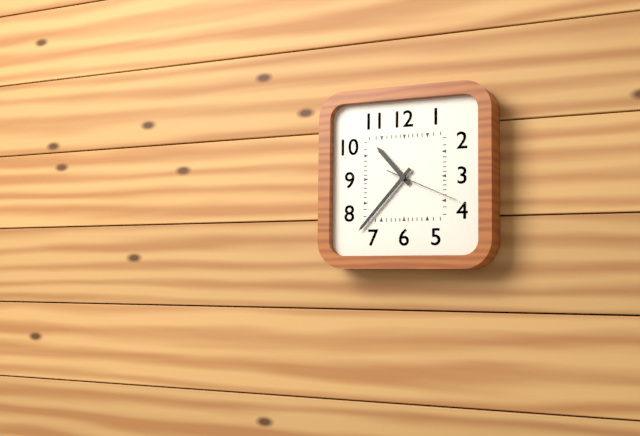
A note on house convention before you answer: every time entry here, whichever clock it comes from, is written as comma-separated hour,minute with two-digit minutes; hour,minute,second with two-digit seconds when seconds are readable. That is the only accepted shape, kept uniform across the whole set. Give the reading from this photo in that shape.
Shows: 10,37,19
